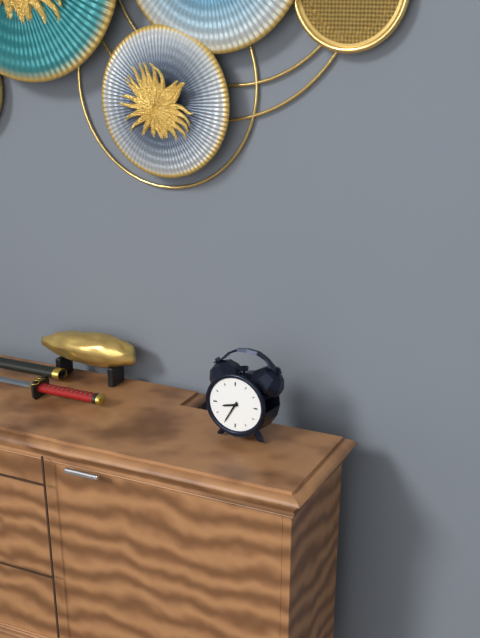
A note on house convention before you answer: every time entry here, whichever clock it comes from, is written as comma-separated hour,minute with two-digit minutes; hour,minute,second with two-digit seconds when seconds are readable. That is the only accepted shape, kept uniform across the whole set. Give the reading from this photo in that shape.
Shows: 8,35
